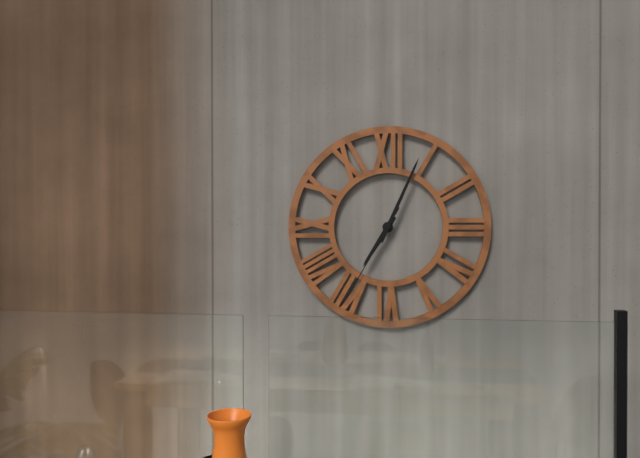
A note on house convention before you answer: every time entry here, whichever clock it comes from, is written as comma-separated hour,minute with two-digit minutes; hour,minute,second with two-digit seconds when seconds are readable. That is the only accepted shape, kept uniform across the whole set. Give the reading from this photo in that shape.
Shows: 7,04,35
